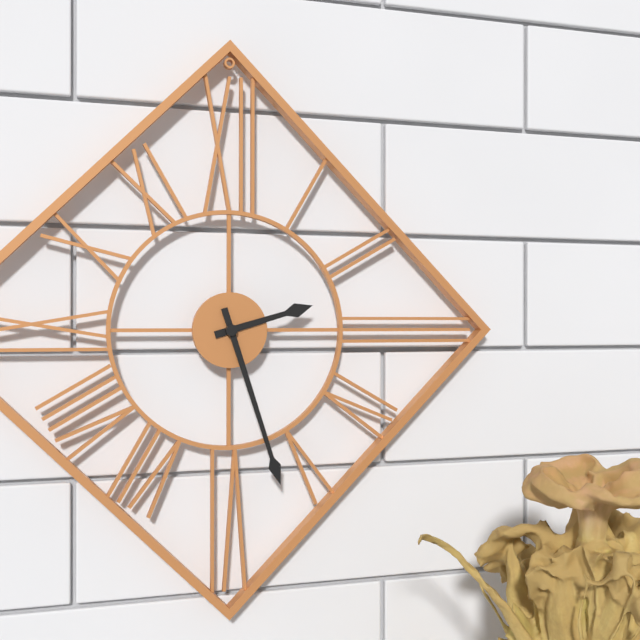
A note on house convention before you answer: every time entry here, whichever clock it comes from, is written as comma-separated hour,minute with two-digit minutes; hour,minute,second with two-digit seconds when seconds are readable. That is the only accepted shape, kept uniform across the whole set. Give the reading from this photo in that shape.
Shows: 2,27
